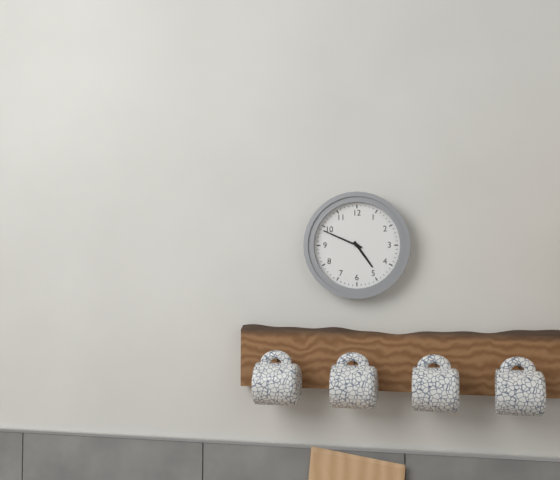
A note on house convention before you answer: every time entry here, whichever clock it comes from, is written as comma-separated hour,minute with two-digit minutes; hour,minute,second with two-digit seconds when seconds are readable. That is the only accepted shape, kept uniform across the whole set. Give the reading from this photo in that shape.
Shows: 4,49
